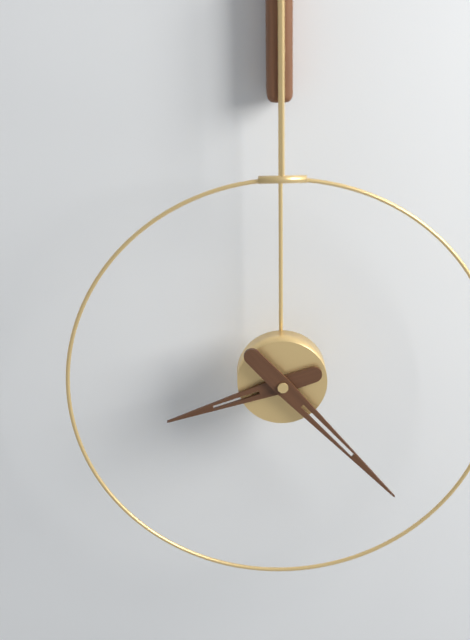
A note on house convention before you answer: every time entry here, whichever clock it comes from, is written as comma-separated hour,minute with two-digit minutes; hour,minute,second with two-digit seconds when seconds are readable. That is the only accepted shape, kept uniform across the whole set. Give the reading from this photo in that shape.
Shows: 8,23
